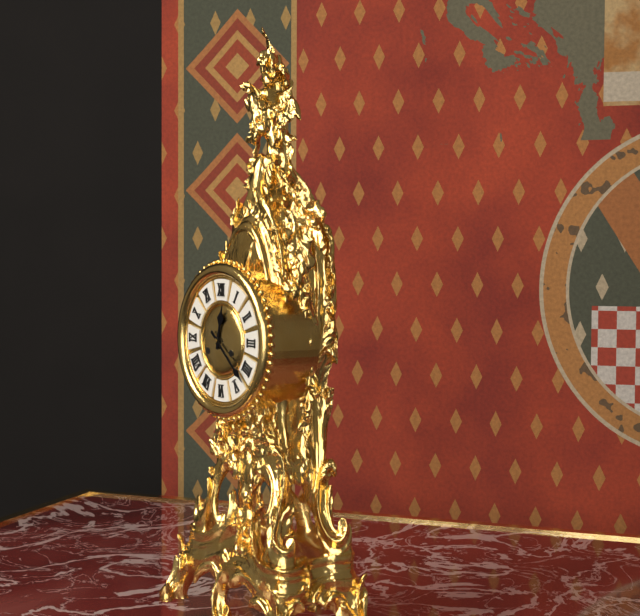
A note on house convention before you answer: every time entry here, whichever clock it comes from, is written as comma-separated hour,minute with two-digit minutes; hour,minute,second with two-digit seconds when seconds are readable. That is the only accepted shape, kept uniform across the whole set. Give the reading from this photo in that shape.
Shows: 12,22
